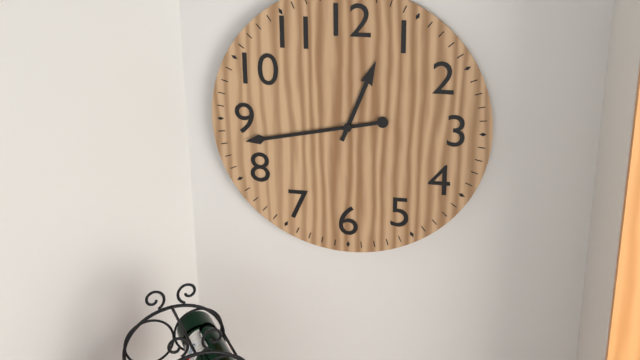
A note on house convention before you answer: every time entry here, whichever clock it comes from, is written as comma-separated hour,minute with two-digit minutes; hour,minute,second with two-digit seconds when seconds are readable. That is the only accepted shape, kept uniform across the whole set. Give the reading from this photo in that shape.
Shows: 12,43
